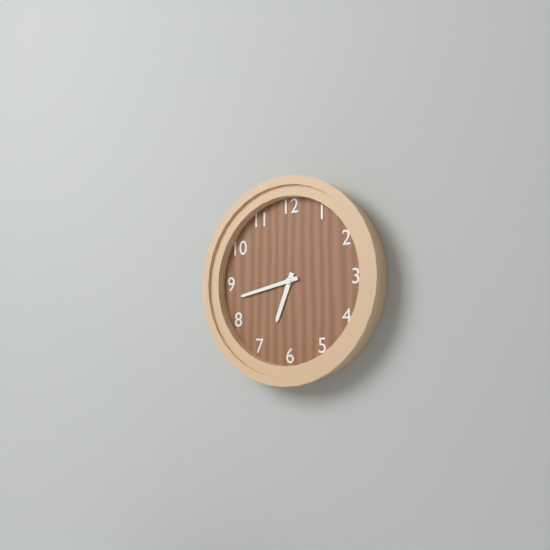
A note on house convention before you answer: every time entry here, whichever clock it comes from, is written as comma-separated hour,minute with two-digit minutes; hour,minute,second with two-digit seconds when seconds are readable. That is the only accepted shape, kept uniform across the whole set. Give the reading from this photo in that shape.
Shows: 6,43
